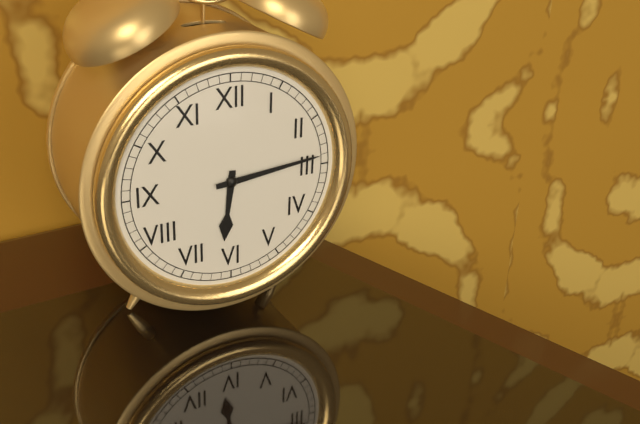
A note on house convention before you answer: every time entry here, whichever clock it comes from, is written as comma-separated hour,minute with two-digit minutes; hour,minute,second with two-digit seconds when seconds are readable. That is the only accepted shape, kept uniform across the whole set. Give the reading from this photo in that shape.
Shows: 6,14
